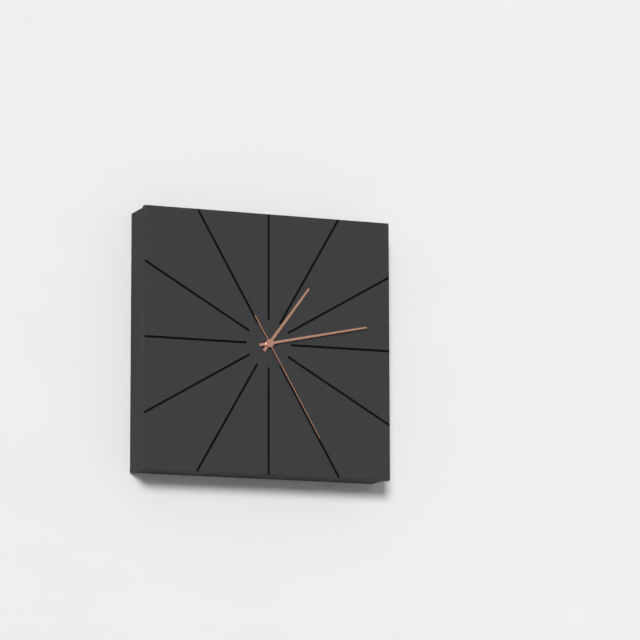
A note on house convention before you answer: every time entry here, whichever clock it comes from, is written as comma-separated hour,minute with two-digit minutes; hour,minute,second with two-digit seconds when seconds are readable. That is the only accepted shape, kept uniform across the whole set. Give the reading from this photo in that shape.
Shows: 1,13,25
